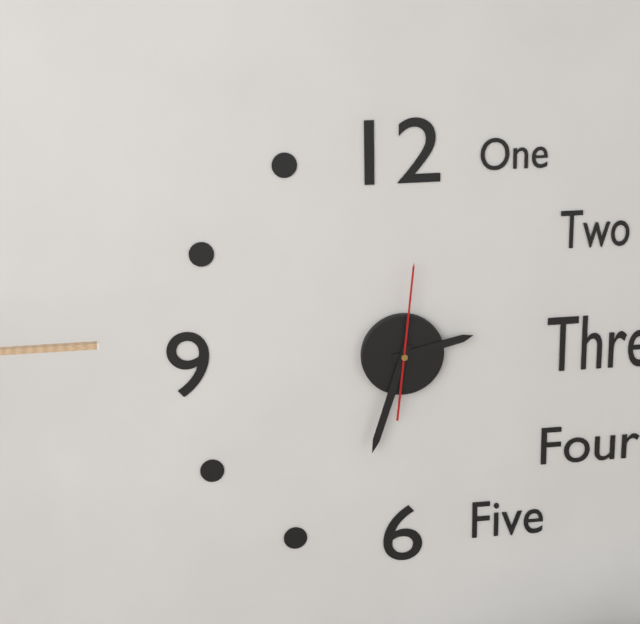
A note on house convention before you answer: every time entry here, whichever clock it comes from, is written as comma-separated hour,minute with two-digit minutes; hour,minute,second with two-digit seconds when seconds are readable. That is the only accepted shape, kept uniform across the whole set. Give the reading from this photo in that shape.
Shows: 2,33,01
